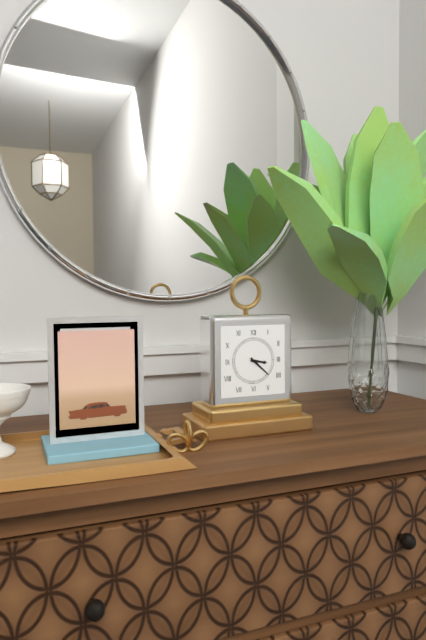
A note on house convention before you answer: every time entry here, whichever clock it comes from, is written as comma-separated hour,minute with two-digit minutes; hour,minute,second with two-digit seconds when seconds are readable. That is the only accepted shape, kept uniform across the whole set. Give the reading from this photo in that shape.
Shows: 3,22
